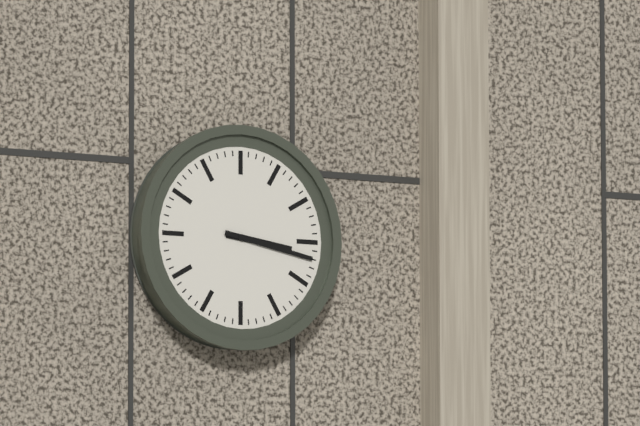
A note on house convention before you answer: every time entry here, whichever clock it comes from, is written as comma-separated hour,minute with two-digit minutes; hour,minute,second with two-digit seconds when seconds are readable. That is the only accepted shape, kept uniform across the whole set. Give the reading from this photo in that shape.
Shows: 3,17
